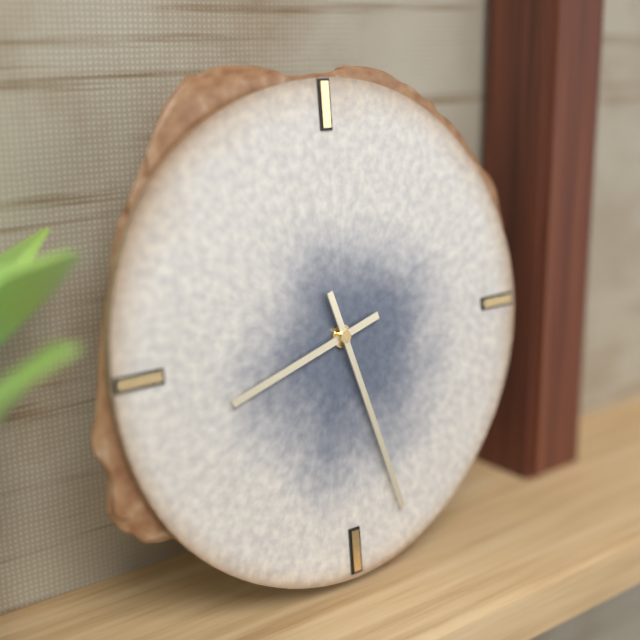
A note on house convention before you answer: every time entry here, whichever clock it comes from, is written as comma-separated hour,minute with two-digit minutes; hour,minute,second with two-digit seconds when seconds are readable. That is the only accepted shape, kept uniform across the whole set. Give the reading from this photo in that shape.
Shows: 8,27
